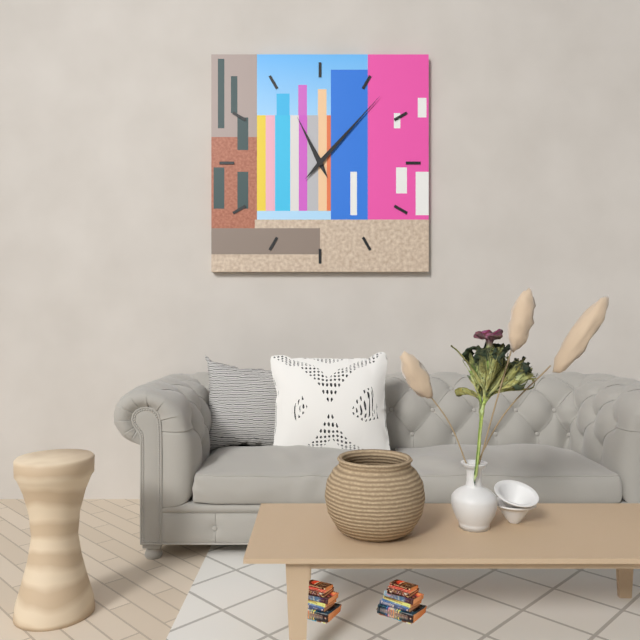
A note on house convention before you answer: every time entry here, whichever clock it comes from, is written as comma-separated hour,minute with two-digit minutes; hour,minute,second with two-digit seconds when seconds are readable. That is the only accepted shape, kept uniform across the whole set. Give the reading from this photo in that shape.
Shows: 11,07
